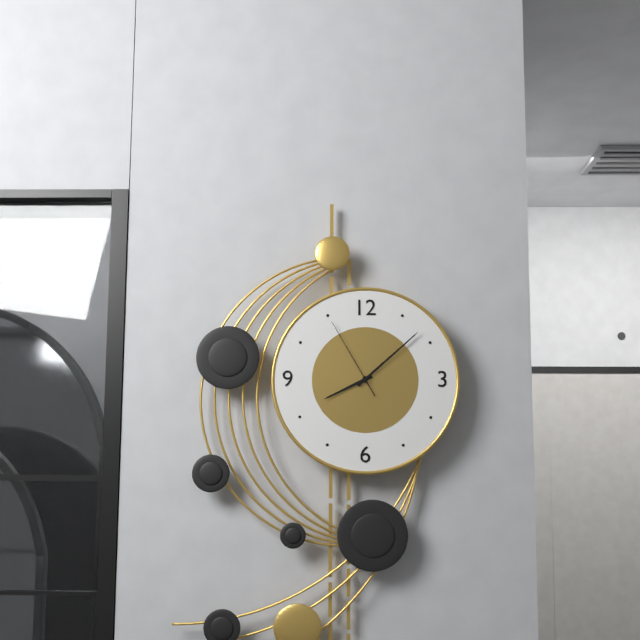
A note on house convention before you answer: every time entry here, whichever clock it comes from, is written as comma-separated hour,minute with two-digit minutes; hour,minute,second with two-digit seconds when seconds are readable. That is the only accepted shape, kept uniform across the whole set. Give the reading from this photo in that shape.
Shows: 8,08,55
